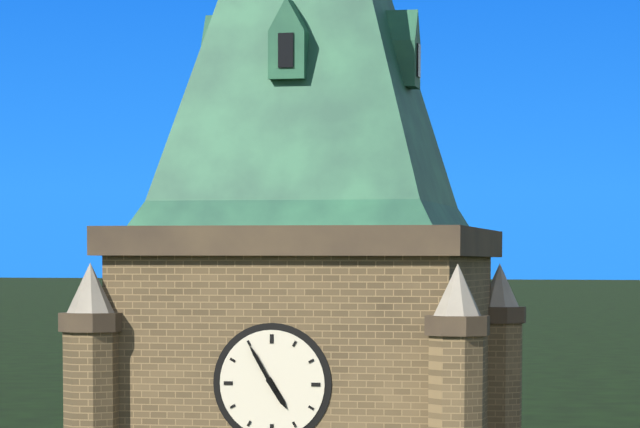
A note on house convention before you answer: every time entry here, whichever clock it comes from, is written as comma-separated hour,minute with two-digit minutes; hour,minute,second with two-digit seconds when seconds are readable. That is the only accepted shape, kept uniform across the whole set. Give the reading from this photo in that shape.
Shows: 4,55
